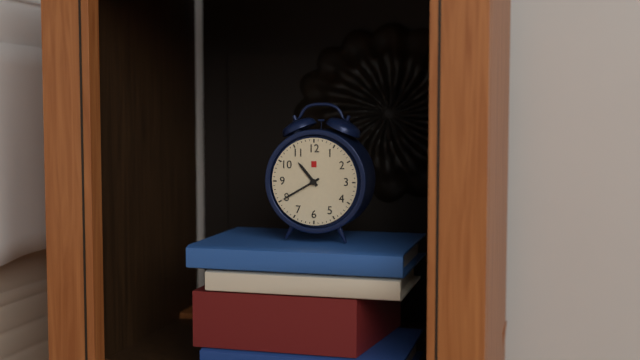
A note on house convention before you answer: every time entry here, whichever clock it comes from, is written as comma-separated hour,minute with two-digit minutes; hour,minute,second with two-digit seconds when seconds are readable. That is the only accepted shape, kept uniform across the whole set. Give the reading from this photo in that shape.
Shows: 10,40
